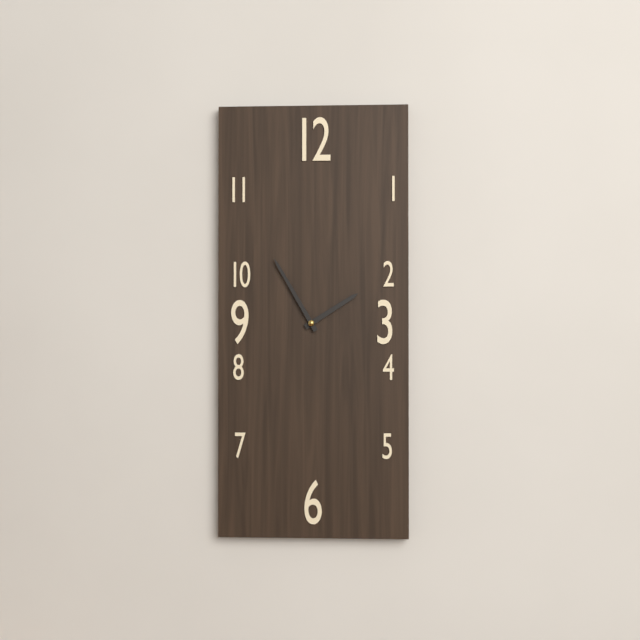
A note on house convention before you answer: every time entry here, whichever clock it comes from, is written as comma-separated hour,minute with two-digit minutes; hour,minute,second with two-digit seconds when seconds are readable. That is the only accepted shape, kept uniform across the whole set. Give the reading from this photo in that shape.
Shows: 1,55
